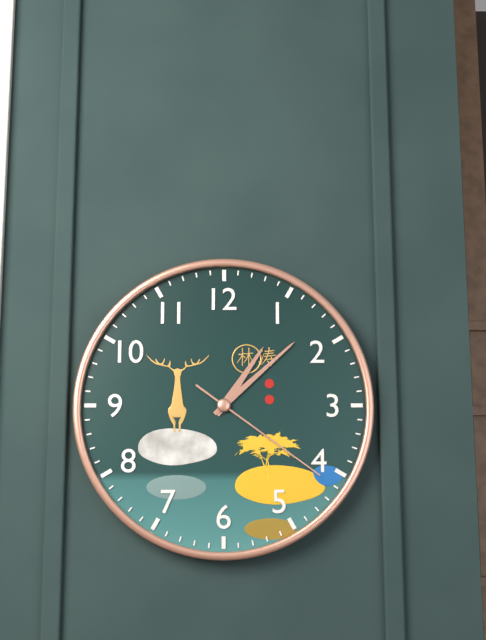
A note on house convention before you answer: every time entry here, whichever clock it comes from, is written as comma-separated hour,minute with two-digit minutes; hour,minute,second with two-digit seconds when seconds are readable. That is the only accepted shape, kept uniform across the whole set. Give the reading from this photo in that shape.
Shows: 1,08,21
